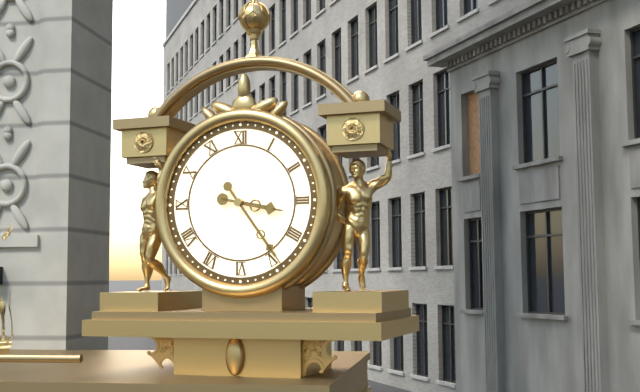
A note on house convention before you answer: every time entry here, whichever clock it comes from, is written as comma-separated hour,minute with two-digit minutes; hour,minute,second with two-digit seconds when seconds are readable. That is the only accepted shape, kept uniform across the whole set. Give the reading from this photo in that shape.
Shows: 3,24
